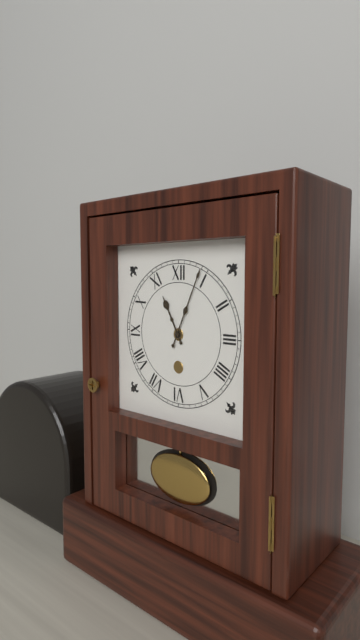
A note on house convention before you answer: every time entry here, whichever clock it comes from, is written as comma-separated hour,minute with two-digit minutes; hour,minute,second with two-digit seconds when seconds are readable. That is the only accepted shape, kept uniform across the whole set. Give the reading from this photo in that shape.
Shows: 11,04
